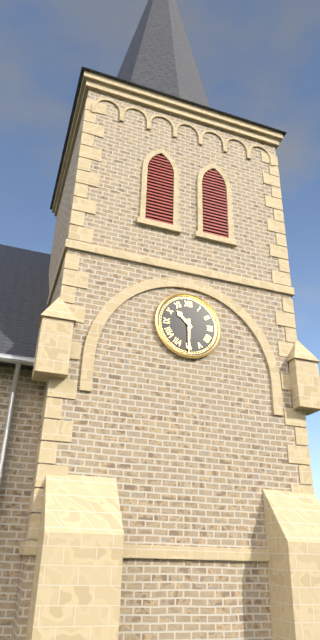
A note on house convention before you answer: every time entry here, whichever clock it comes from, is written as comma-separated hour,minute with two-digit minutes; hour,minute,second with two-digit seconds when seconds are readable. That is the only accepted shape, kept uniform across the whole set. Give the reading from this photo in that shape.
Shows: 10,30
